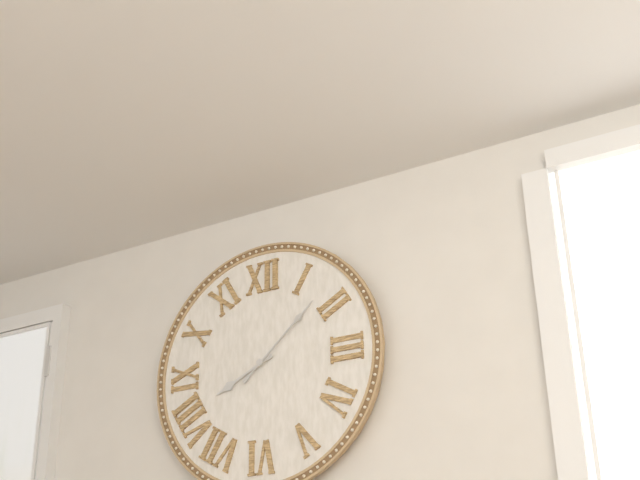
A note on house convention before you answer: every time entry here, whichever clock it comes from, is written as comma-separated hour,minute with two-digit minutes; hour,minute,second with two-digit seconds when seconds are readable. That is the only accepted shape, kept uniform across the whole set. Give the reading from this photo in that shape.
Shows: 8,08
